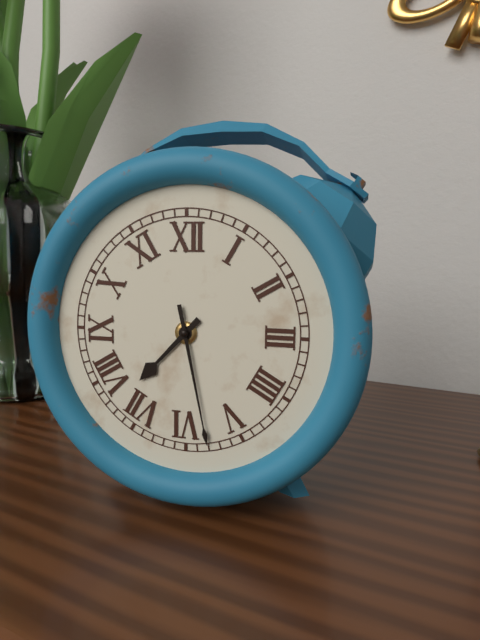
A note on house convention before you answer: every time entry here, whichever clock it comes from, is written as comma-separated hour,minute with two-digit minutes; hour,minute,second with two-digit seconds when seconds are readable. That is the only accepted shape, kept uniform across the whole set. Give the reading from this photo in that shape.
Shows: 7,28
